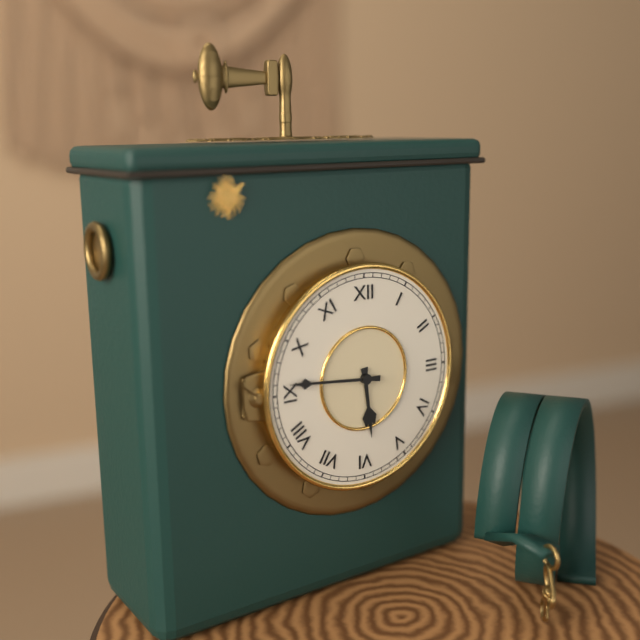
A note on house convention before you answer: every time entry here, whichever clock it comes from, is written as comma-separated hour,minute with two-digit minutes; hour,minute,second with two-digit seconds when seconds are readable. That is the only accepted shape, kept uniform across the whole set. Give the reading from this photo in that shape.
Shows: 5,46
